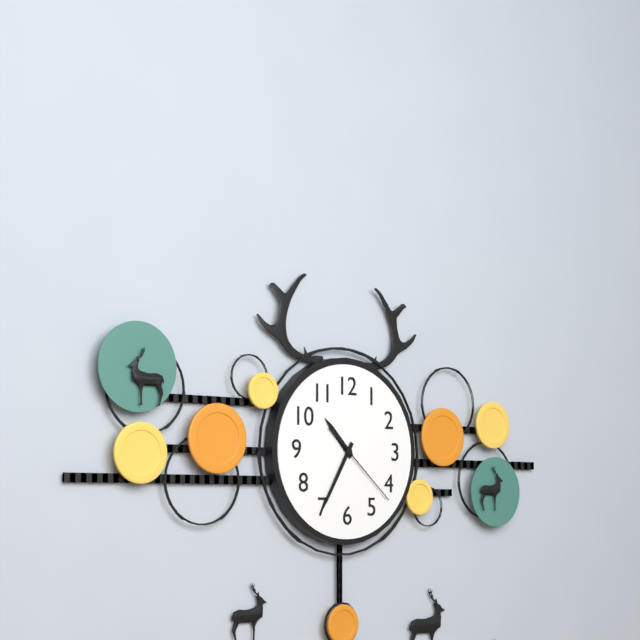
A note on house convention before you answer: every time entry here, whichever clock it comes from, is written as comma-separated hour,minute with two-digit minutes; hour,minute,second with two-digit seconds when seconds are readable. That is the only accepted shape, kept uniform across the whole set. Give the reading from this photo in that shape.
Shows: 10,35,22
